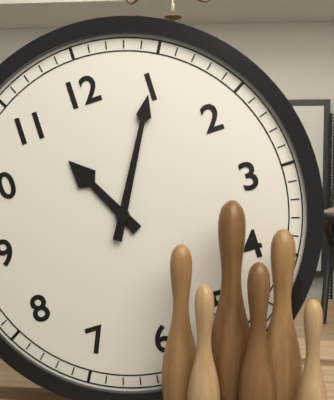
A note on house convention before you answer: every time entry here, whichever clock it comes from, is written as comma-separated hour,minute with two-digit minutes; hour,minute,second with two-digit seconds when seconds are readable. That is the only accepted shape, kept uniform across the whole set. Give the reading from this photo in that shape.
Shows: 11,05
